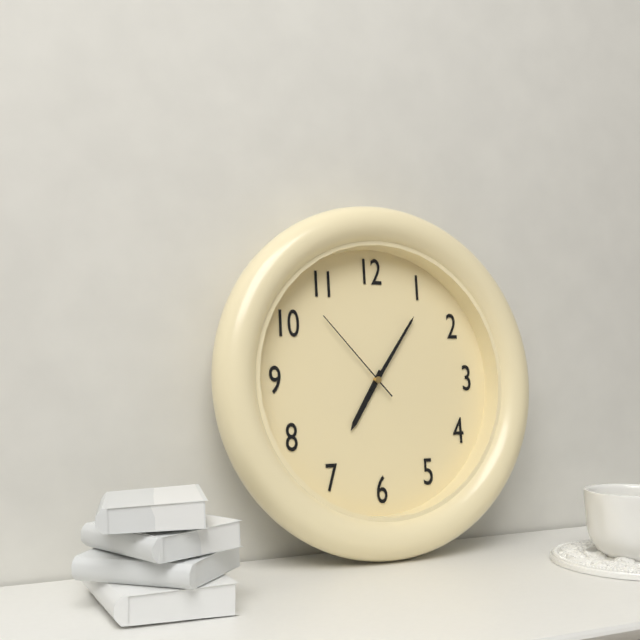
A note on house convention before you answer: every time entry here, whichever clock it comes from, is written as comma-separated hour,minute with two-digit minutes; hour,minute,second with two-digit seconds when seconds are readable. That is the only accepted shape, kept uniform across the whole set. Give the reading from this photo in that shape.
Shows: 7,06,53
